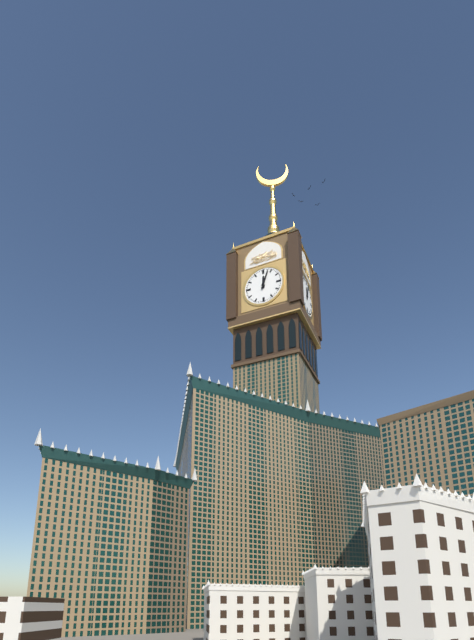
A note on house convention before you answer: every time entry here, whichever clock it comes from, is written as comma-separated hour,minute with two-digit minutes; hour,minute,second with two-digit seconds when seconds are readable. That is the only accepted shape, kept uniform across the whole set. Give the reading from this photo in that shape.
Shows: 12,03
